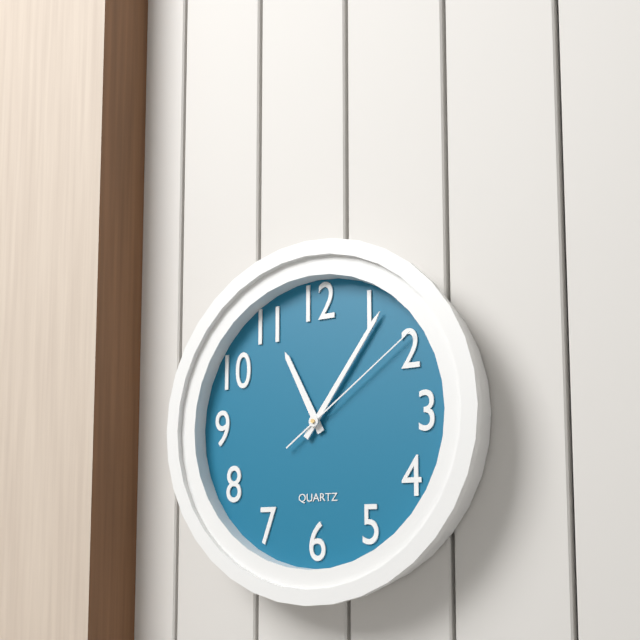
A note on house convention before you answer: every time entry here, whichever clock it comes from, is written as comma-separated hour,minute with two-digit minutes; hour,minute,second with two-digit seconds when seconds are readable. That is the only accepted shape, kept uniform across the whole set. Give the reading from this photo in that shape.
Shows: 11,06,09
